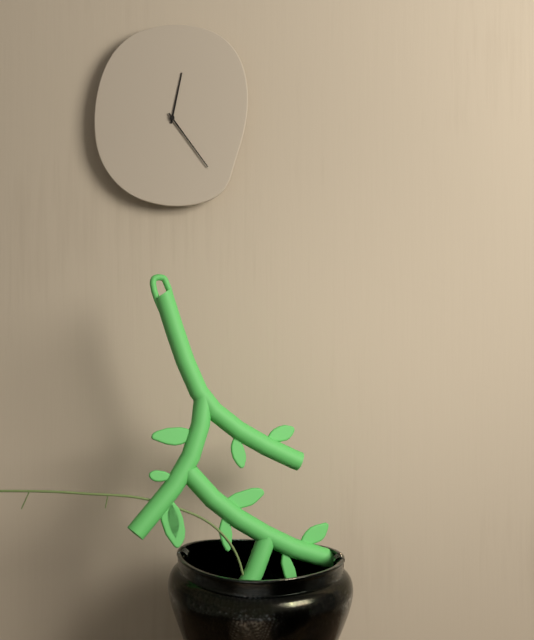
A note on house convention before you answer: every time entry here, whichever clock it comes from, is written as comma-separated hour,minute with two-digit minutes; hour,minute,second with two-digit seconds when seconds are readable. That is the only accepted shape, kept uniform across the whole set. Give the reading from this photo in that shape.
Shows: 12,24
